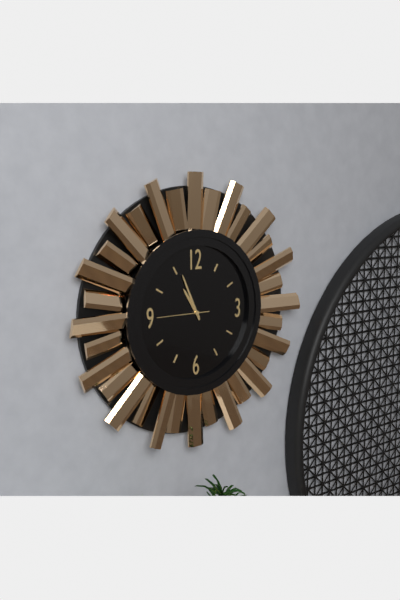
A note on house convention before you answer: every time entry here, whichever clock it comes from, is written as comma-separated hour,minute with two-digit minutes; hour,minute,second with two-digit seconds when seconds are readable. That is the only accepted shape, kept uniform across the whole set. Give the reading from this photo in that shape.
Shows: 10,56,45
